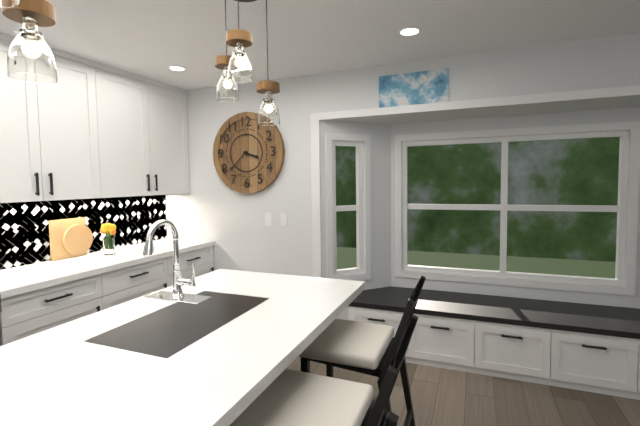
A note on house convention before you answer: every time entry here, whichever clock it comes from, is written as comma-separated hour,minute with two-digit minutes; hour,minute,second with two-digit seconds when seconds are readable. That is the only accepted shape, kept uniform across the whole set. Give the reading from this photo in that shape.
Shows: 3,38
